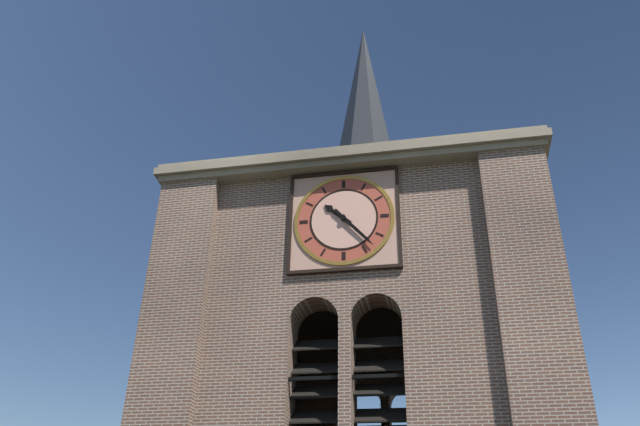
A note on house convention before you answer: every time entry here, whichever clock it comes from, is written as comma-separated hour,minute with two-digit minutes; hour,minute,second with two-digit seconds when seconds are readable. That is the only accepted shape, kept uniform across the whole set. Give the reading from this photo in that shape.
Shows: 10,23
